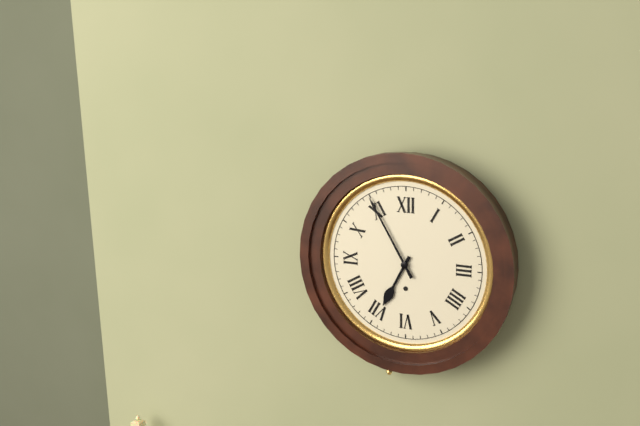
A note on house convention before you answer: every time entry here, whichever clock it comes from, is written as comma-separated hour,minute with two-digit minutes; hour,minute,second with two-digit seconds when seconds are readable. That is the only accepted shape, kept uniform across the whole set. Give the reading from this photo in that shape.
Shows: 6,55
